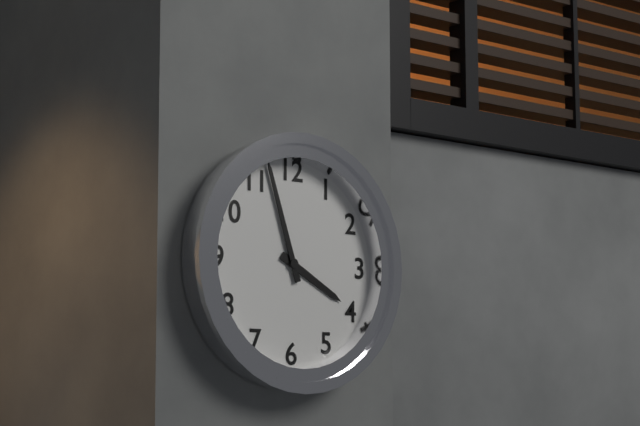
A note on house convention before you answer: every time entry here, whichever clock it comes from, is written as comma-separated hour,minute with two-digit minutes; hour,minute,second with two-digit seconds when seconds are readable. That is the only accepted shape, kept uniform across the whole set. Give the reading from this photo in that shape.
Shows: 3,57
